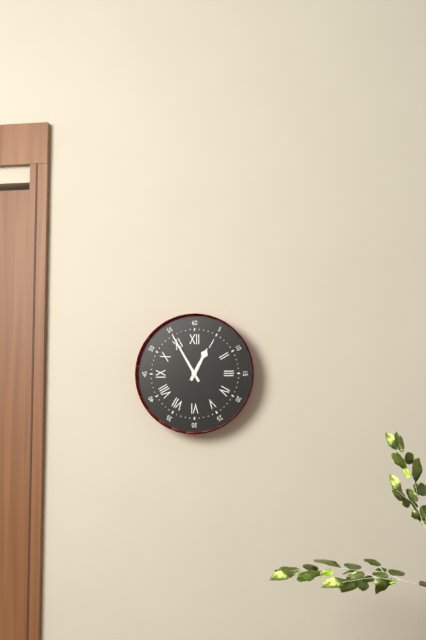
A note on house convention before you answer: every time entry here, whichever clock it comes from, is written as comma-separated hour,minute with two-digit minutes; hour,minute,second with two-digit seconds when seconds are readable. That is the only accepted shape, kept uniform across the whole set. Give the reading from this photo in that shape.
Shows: 12,55
